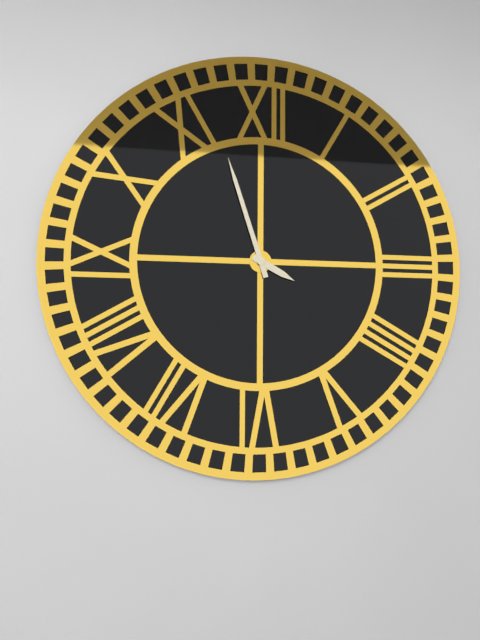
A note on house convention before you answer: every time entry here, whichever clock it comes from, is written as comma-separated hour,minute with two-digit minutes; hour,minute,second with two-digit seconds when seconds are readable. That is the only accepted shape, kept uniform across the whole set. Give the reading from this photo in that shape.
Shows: 3,57
